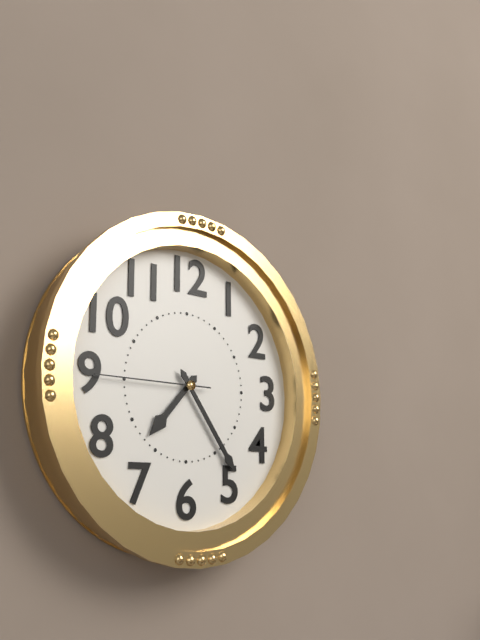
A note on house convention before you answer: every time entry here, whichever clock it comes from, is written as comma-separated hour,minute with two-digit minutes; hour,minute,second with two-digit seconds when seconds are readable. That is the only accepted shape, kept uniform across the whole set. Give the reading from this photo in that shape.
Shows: 7,24,45
